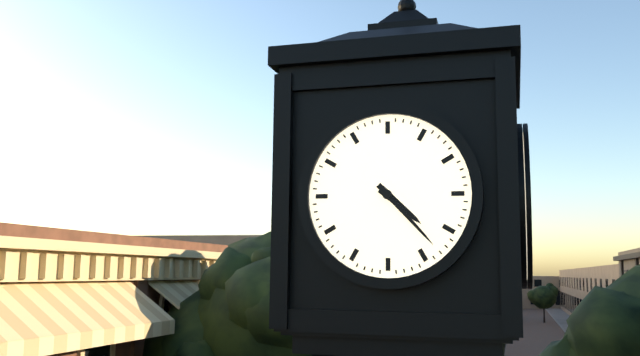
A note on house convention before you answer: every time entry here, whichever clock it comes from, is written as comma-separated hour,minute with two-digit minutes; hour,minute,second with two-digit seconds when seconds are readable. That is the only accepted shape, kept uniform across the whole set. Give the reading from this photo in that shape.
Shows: 4,23
